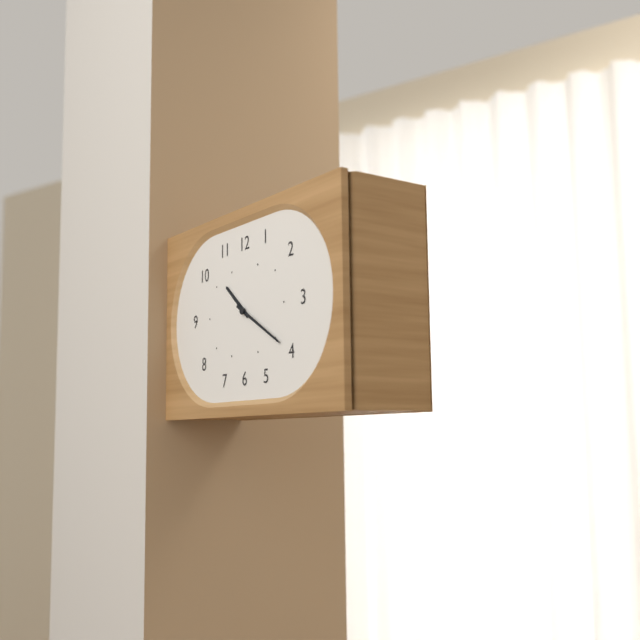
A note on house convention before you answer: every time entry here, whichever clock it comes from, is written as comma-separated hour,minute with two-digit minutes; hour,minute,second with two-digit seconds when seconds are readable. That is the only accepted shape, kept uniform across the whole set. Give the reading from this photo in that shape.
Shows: 10,20
